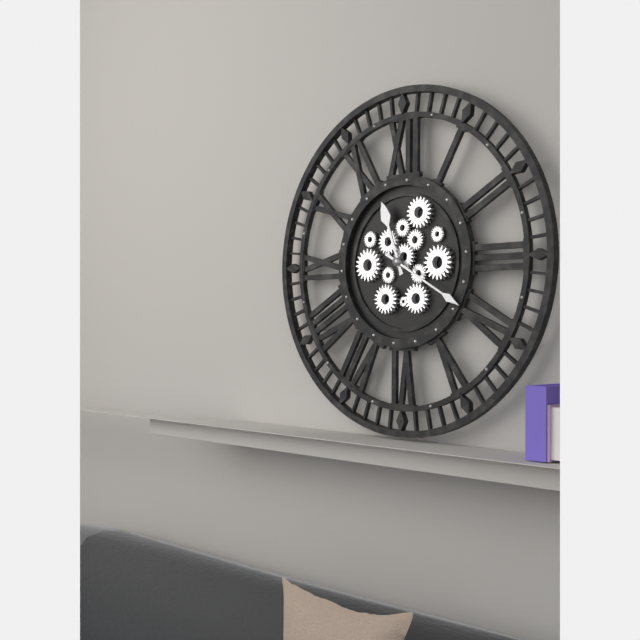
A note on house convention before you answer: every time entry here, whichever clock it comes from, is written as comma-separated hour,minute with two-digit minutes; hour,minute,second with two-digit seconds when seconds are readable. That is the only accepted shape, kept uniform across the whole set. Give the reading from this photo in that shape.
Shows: 11,20
